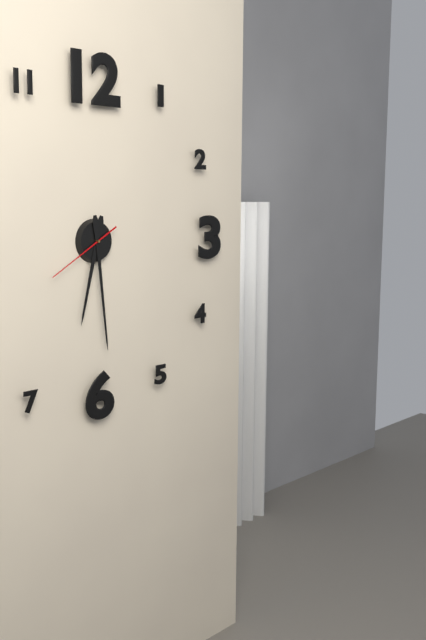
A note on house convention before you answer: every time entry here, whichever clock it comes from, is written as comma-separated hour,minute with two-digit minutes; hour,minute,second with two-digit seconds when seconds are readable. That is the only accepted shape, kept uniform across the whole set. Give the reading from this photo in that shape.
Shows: 6,29,40
